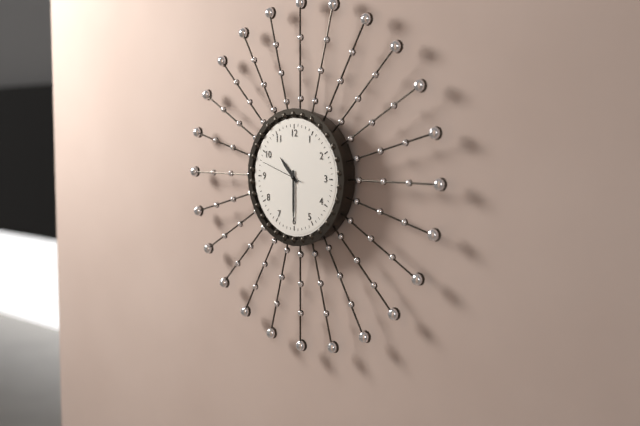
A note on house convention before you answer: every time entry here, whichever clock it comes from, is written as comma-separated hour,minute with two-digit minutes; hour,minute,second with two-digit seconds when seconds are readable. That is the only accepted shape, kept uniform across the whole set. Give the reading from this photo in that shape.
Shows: 10,30
